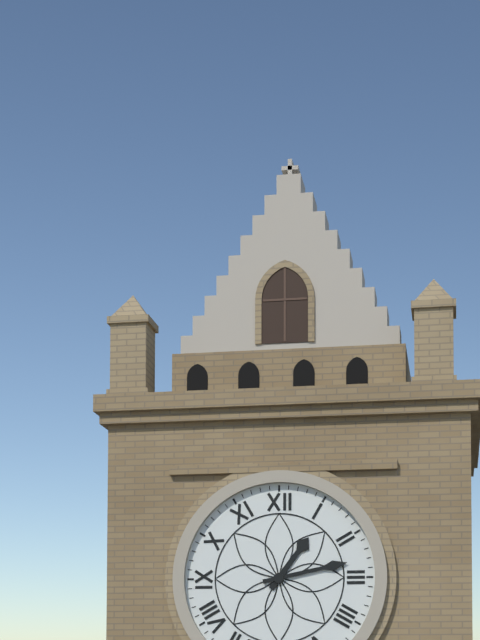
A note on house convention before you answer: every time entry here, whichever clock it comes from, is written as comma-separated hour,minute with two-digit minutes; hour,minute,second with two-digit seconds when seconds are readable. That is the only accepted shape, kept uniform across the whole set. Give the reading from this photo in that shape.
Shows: 1,13
